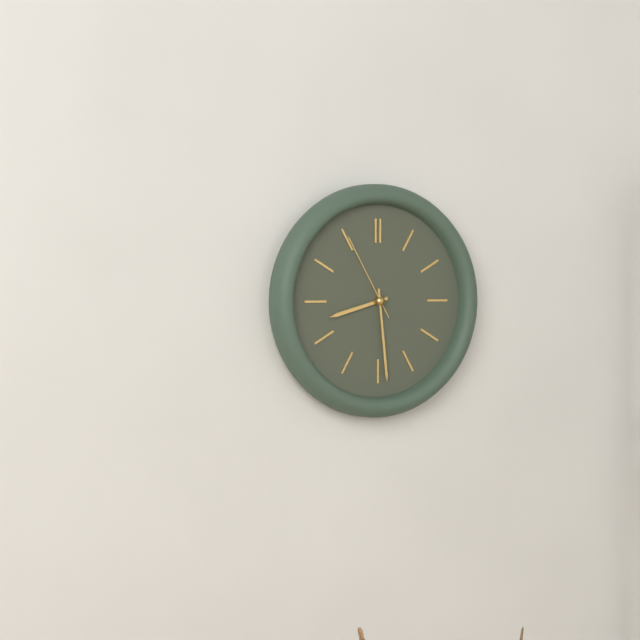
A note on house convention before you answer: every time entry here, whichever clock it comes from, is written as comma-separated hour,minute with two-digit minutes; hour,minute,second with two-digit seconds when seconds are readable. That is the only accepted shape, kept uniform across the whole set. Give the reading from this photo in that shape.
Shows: 8,29,55
